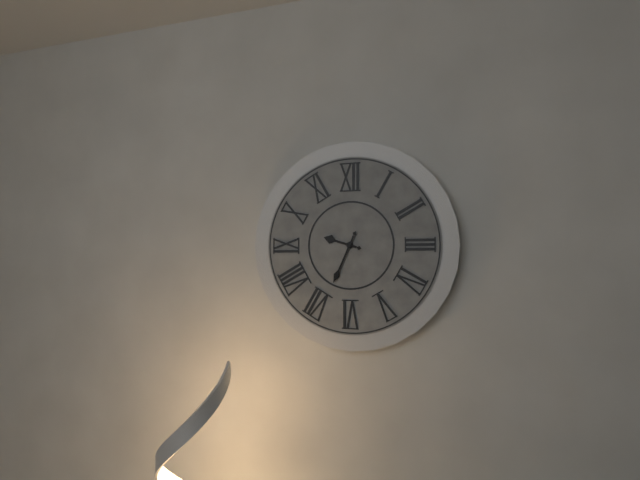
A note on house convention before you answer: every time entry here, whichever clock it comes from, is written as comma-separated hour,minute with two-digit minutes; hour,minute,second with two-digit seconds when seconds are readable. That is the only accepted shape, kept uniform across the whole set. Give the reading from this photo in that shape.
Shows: 9,34
